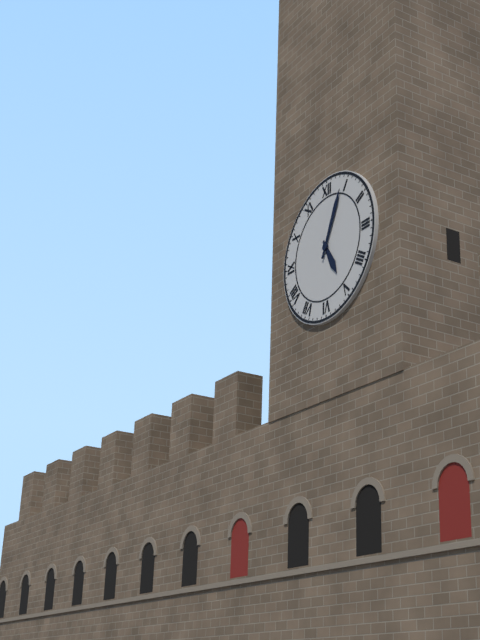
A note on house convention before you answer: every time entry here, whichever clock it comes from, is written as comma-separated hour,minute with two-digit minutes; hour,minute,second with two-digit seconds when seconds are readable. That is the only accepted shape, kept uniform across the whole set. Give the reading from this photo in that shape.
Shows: 5,04
